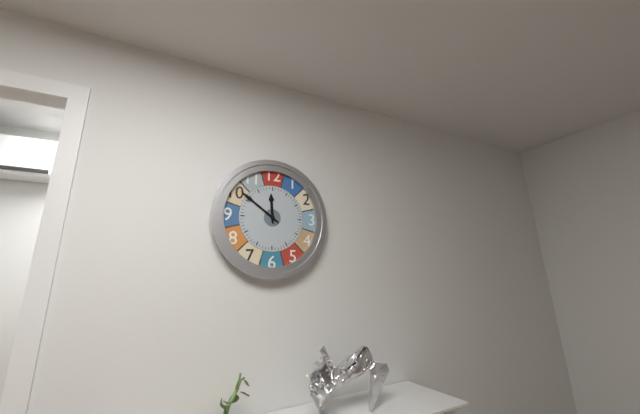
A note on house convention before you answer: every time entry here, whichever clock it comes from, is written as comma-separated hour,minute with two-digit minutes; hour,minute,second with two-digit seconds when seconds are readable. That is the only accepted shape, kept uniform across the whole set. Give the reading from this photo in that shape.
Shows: 11,51
